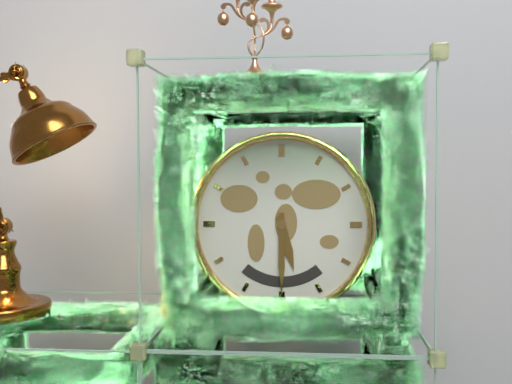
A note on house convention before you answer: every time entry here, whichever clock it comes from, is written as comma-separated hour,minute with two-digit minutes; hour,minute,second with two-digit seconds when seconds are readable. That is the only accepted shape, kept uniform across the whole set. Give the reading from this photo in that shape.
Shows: 5,30
